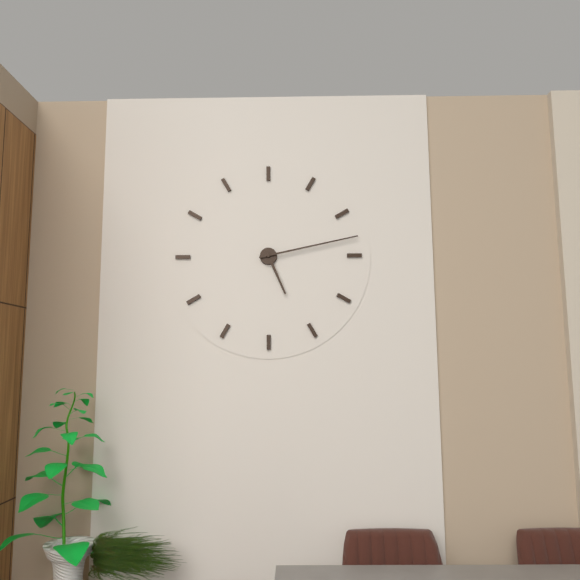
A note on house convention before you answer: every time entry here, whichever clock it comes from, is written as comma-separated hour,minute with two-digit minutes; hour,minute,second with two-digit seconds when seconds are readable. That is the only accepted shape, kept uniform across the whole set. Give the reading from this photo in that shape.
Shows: 5,13
